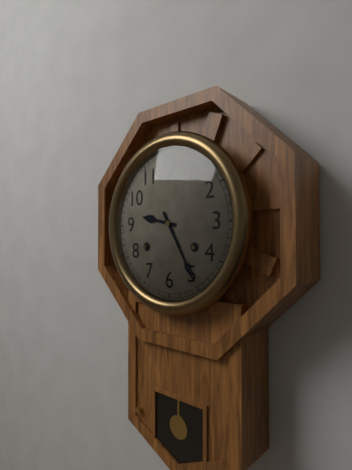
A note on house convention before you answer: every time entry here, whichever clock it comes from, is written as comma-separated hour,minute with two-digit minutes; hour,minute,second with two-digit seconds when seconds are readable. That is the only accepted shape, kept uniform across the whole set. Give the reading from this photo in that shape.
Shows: 9,25
